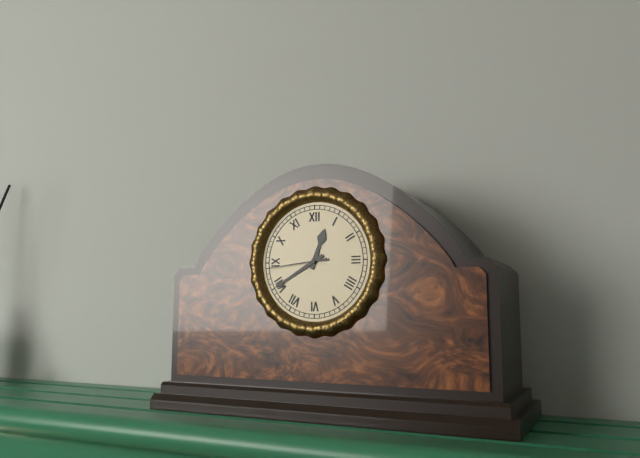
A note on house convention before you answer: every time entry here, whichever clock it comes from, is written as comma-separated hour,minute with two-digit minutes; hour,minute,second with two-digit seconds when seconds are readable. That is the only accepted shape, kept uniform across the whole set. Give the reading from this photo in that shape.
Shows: 12,40,44
